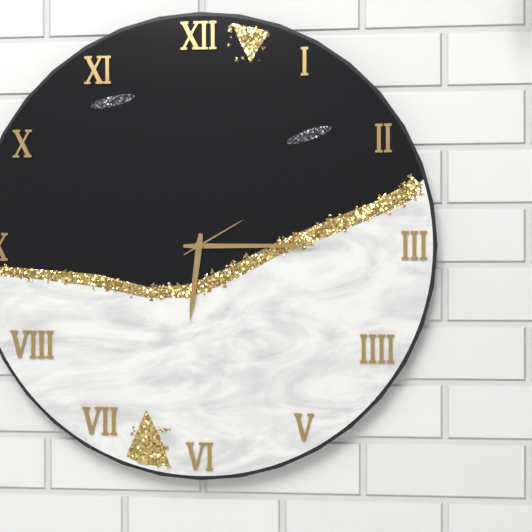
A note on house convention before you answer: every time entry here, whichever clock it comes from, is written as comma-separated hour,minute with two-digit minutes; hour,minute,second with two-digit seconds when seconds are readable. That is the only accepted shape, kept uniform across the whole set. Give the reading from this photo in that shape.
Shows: 6,15,10
